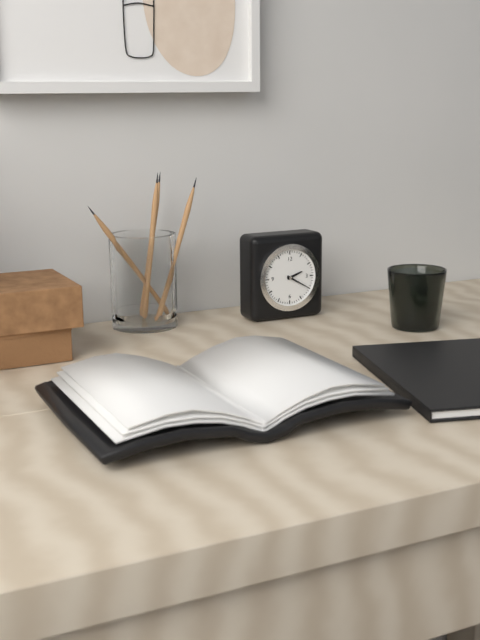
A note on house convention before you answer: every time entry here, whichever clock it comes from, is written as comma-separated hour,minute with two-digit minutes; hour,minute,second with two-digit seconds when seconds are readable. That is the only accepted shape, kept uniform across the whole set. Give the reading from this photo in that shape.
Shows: 2,20
